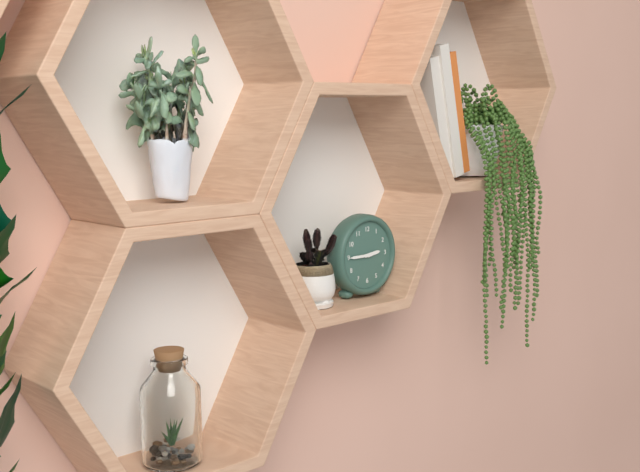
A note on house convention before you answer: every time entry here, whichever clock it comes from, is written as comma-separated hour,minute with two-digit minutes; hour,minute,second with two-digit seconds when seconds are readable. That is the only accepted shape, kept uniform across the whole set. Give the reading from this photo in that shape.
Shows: 2,45
